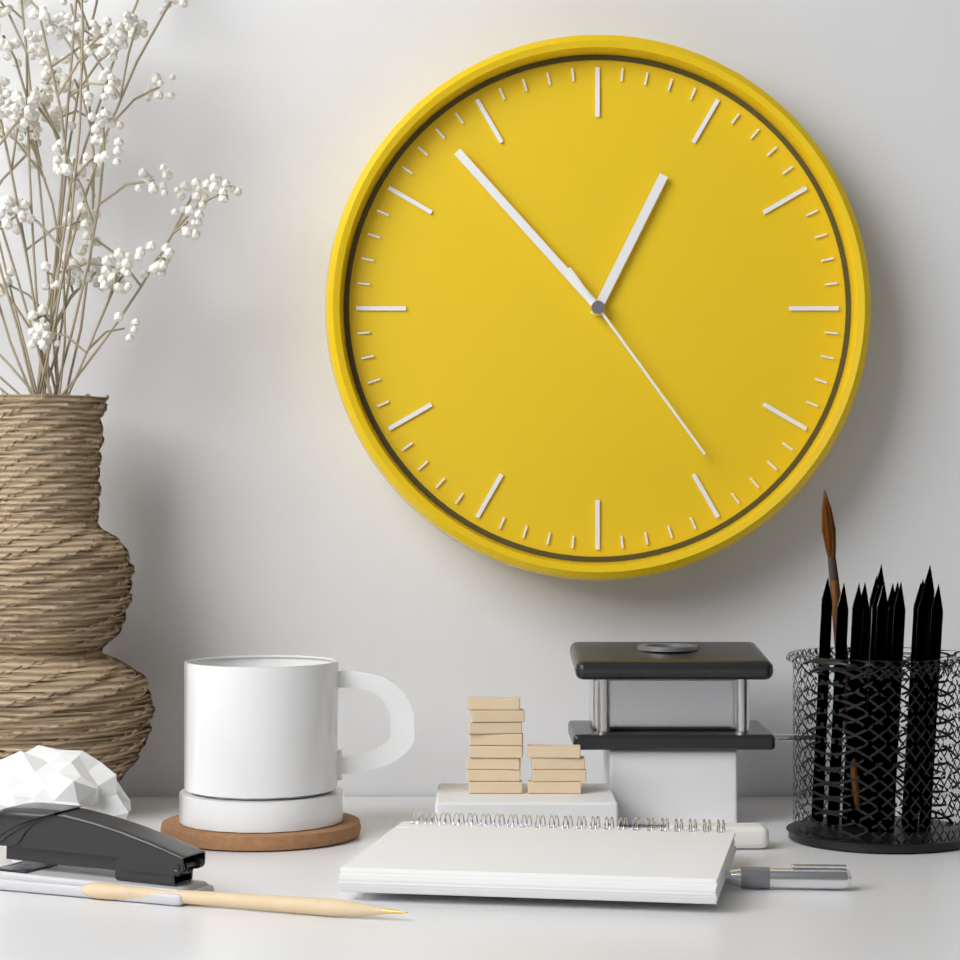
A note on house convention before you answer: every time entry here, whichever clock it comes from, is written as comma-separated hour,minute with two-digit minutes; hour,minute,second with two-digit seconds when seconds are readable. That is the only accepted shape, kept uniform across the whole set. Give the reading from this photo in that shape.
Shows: 12,53,24
